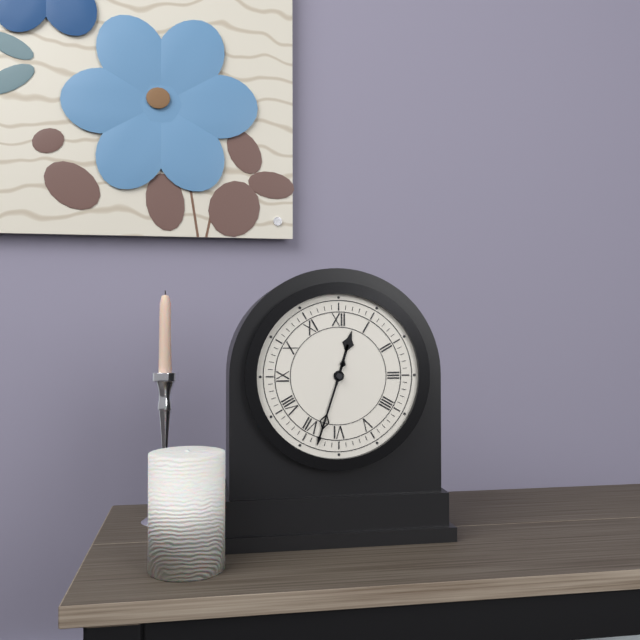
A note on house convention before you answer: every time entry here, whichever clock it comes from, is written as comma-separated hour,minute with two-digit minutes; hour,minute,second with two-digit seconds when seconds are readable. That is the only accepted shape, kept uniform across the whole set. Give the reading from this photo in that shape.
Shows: 12,33
